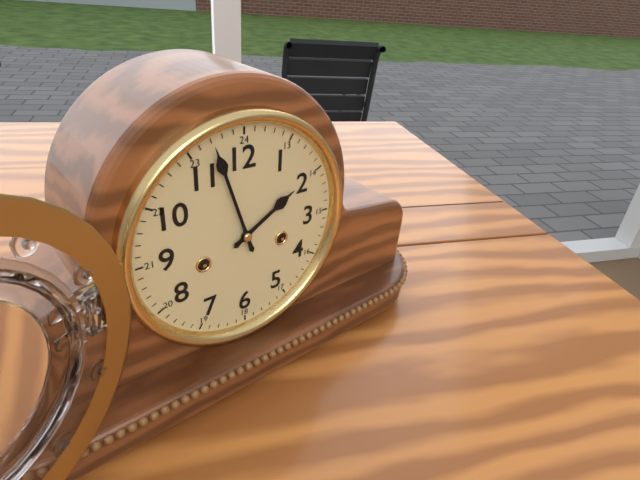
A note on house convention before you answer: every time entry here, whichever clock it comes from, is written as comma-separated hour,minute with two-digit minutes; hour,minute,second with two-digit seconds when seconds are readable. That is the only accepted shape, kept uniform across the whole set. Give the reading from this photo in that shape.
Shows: 1,57
